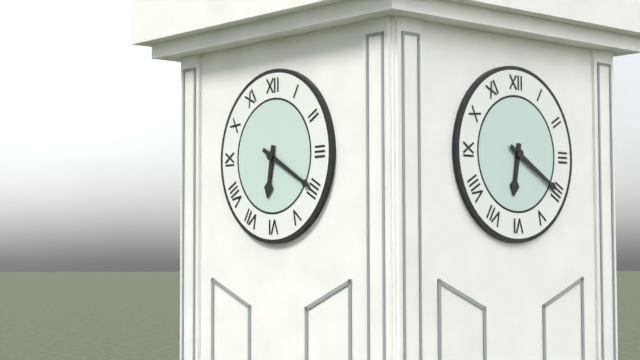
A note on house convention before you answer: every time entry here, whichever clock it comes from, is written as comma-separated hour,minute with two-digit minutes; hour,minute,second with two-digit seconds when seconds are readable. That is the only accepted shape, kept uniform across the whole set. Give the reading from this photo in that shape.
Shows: 6,20
